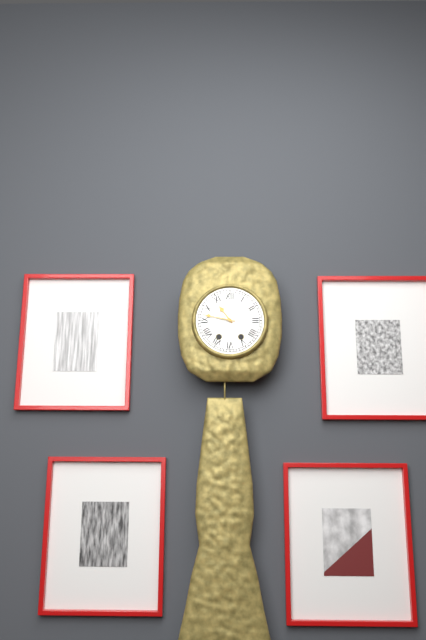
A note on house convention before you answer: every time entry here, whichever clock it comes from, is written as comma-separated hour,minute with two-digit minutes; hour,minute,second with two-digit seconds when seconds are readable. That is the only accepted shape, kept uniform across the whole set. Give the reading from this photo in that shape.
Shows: 10,47
